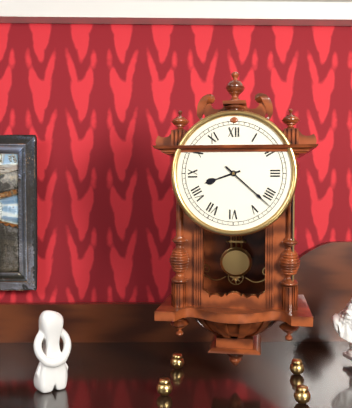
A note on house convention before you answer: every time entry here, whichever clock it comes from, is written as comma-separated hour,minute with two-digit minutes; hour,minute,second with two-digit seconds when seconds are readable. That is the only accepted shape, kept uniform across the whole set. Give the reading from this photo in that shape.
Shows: 8,22
